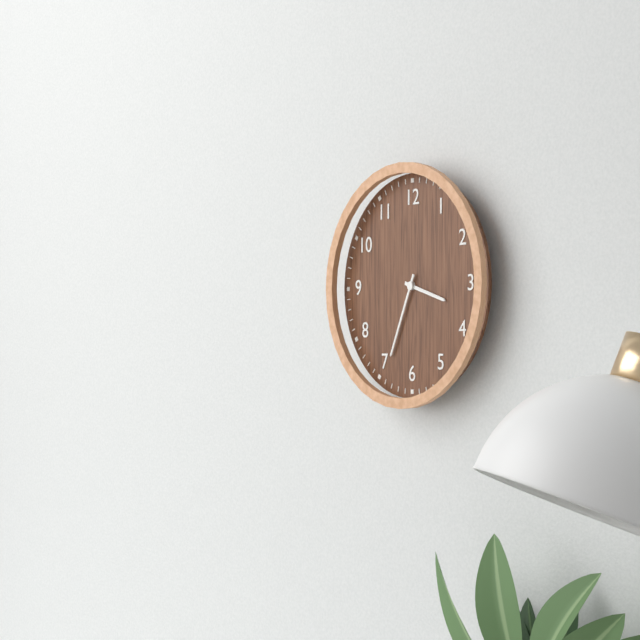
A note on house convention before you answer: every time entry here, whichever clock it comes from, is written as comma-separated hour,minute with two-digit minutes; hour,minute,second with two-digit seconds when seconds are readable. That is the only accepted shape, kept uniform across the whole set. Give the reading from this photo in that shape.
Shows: 3,34
